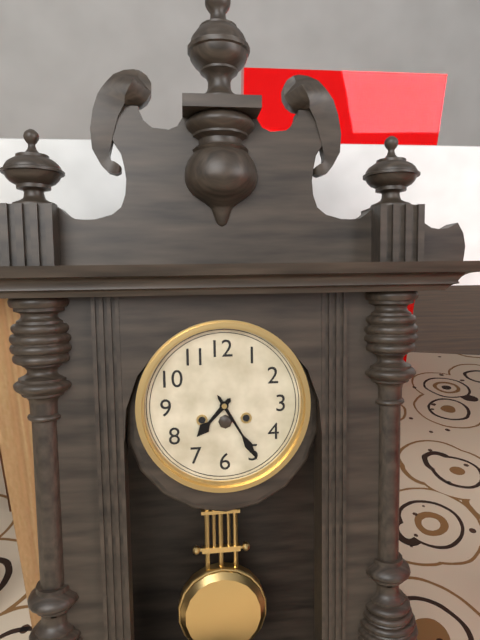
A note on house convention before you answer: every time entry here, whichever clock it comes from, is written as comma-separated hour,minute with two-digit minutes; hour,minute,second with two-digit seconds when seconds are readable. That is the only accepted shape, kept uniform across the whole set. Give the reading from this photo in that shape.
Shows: 7,25
